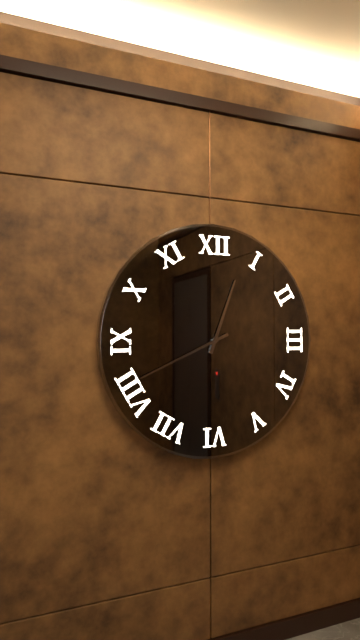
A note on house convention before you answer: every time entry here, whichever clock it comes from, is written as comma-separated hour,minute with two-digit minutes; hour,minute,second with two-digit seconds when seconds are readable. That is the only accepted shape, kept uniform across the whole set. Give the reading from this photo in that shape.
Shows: 12,41
